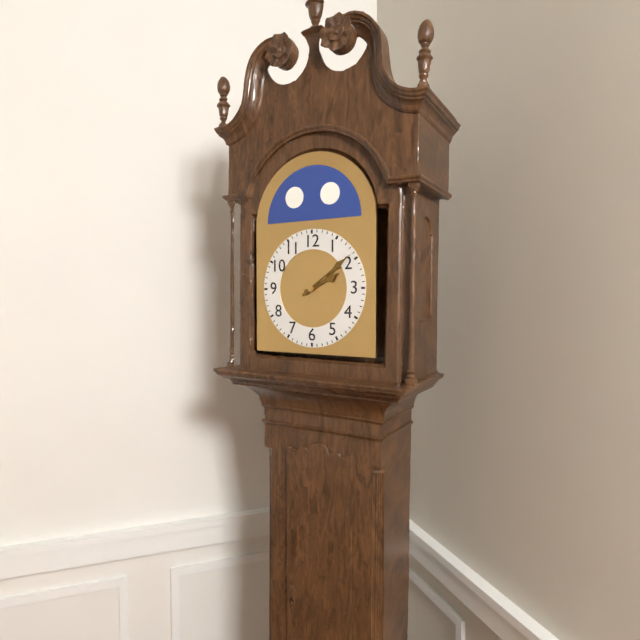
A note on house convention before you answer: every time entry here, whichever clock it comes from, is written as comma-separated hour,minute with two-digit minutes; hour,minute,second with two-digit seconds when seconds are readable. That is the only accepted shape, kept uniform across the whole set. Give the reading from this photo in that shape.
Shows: 2,09
